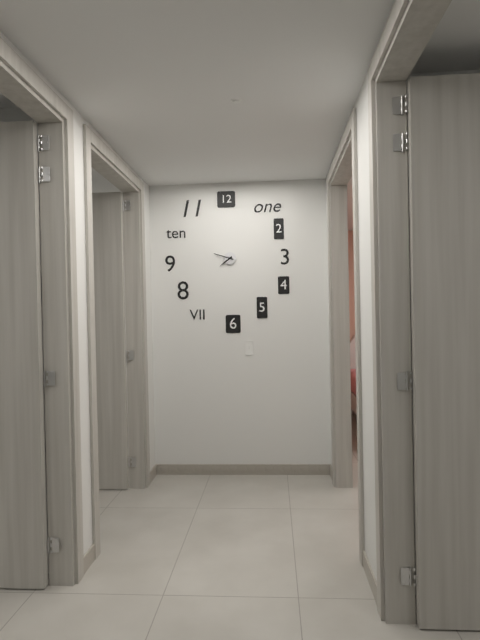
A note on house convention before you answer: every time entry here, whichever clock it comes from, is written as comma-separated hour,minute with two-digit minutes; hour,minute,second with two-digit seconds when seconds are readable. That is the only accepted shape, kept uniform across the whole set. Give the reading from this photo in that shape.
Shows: 7,48
